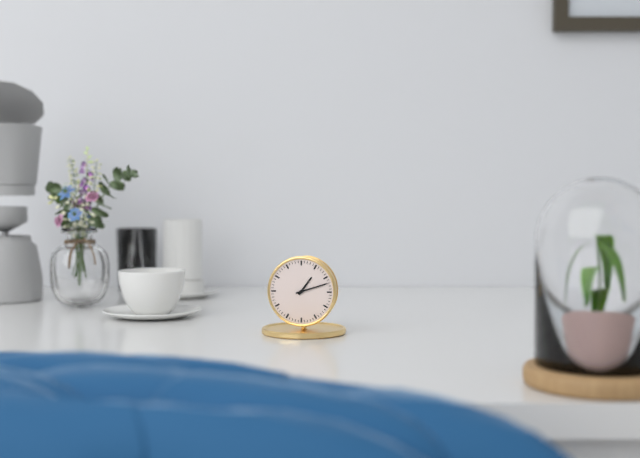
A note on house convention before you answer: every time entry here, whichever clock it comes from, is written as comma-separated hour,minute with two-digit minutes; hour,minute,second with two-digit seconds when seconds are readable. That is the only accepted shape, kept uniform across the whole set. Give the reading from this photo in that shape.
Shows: 1,12
